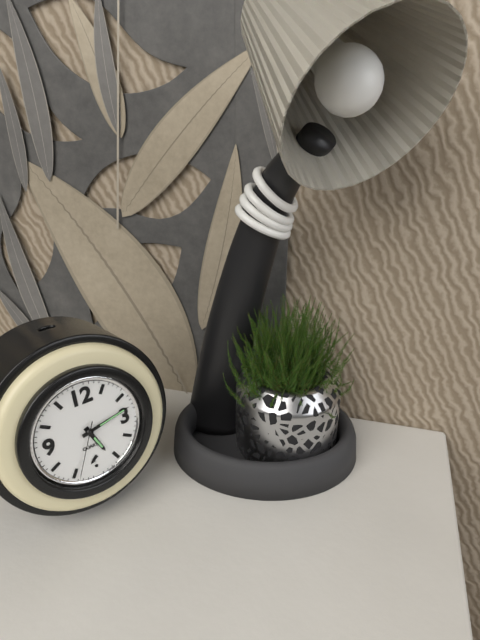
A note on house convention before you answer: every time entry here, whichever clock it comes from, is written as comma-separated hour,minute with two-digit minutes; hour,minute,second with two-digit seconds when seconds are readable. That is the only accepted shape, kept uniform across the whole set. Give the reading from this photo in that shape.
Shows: 5,13,34
